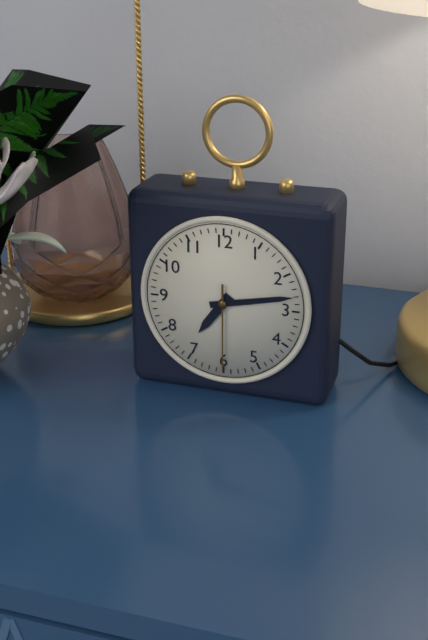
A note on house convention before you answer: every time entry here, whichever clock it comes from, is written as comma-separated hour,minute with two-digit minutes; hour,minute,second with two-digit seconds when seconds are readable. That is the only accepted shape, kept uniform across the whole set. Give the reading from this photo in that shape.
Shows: 7,13,30
